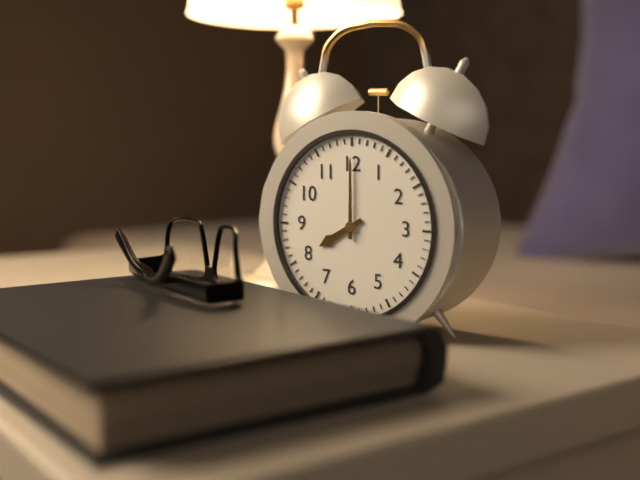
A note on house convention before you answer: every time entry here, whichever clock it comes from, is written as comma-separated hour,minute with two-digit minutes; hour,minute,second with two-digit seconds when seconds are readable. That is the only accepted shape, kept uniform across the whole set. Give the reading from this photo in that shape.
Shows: 8,00
